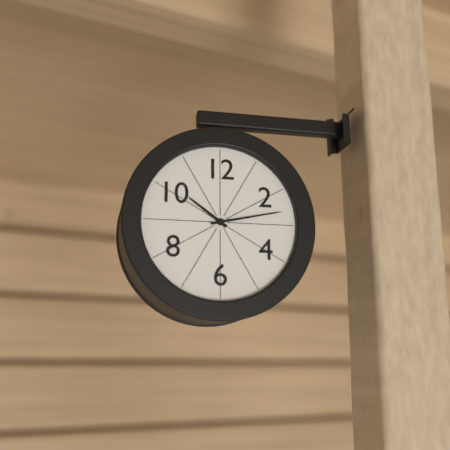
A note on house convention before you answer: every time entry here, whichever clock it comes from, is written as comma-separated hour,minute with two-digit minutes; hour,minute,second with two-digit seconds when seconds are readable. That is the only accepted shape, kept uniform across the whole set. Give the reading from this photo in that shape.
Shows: 10,13
